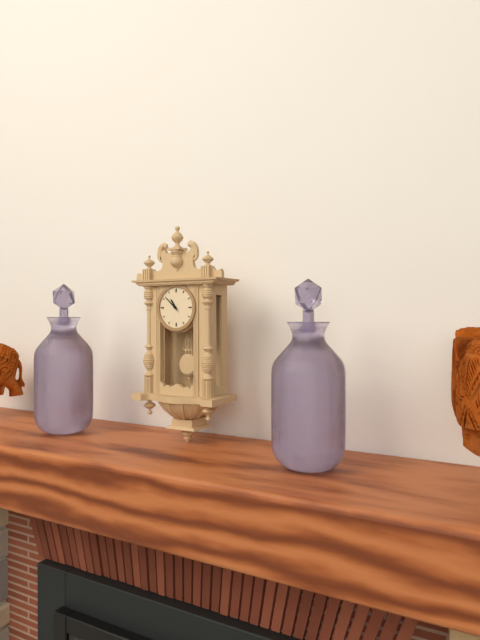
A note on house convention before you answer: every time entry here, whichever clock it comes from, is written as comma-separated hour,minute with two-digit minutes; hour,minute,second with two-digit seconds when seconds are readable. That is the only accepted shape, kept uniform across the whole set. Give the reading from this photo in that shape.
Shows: 10,52
